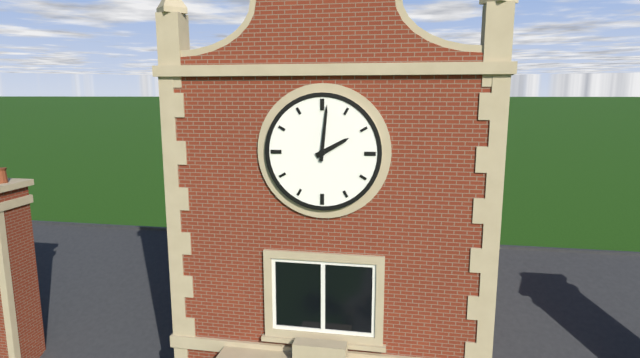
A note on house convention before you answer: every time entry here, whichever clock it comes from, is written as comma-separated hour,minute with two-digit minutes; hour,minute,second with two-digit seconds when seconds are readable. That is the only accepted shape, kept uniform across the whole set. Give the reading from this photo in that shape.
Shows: 2,01
